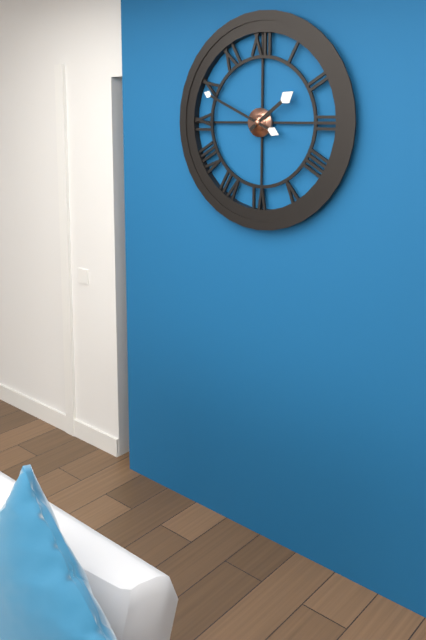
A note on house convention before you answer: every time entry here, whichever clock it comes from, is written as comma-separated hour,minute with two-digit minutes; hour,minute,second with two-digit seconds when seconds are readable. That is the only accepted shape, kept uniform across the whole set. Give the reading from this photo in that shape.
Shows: 1,49
